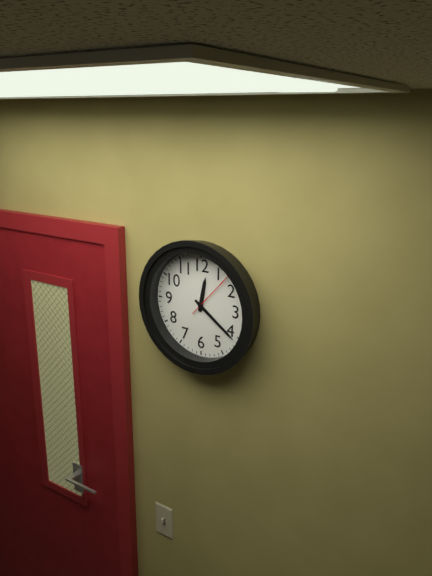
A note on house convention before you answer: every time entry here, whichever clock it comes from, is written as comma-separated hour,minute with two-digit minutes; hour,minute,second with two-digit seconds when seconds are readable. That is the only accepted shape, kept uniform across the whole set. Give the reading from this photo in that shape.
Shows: 12,21,07
